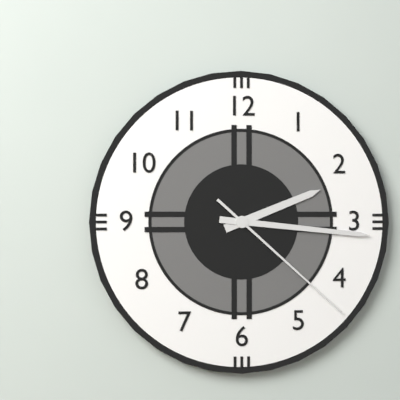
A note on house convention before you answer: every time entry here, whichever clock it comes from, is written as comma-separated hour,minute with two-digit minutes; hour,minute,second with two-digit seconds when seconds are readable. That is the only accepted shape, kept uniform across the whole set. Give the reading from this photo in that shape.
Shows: 2,16,22
